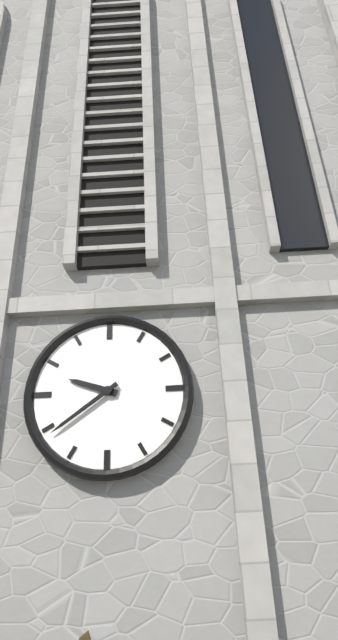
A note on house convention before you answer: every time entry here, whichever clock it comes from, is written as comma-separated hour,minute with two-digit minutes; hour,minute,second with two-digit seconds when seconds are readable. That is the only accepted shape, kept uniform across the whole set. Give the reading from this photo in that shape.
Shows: 9,39
